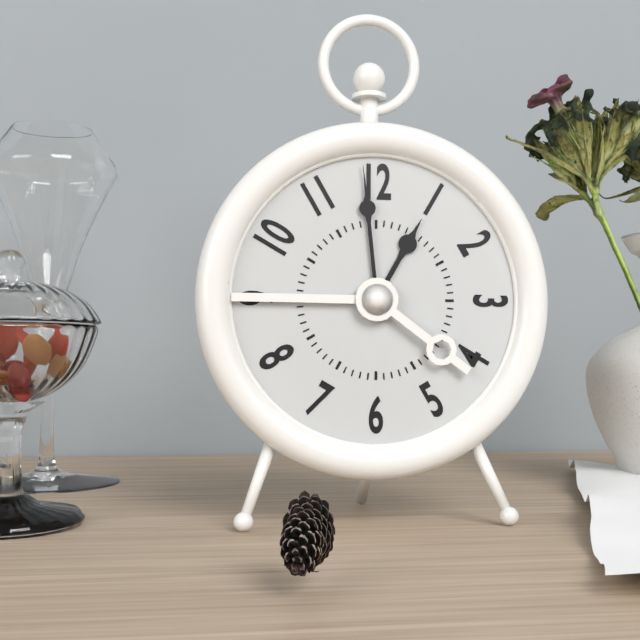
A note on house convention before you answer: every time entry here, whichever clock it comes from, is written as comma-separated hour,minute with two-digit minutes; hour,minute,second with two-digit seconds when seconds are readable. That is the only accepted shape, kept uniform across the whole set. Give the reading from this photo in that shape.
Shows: 12,59
